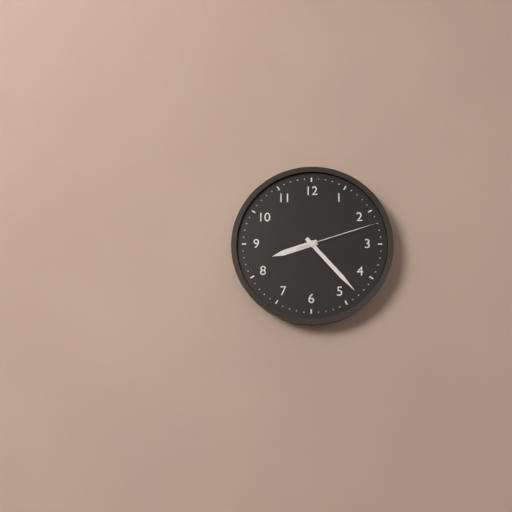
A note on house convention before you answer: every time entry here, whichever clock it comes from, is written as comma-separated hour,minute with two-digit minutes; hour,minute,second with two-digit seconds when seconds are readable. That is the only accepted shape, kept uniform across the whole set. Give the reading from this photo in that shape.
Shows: 8,23,12
